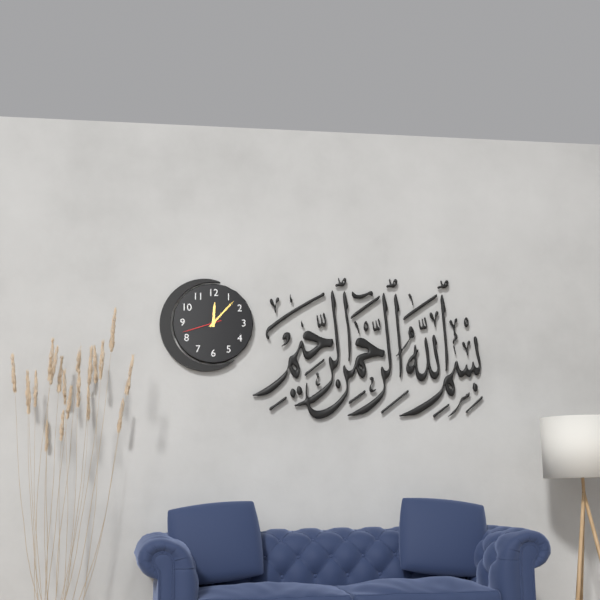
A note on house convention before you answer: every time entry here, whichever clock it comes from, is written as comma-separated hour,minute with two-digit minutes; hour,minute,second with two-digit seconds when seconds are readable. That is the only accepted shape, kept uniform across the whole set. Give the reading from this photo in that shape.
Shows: 12,07
